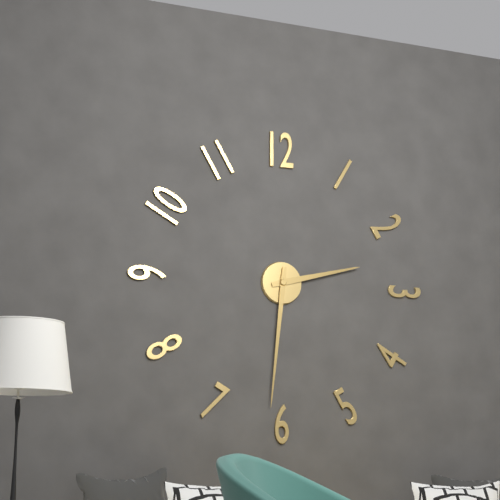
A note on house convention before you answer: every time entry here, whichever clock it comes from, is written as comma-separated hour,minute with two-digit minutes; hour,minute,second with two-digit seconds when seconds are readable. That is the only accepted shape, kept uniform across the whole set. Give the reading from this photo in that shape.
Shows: 2,31
